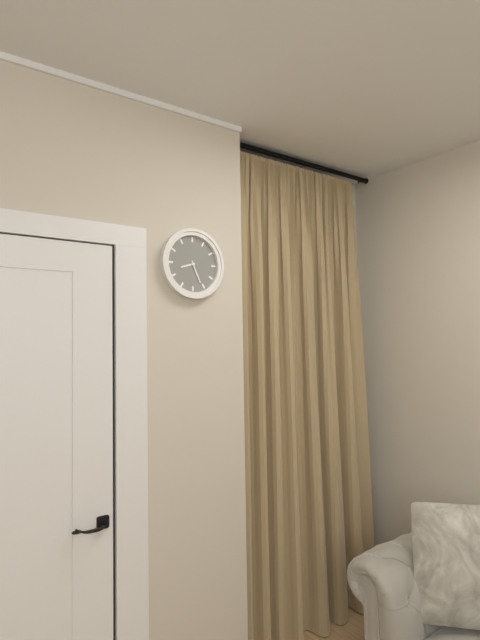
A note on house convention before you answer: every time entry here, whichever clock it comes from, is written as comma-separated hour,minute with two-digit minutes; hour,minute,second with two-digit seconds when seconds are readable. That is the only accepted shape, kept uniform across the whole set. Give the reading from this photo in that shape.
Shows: 8,26
